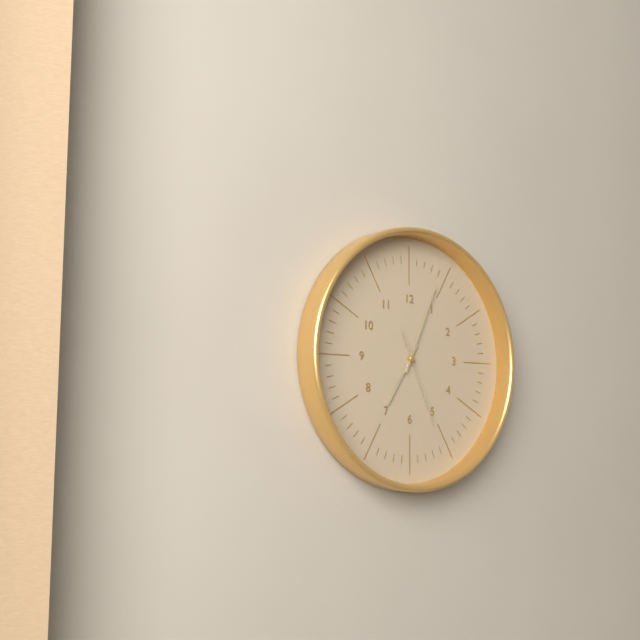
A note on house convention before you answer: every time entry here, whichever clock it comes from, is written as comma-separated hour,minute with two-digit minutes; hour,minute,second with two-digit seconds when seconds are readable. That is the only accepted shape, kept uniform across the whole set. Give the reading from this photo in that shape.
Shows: 7,04,26
